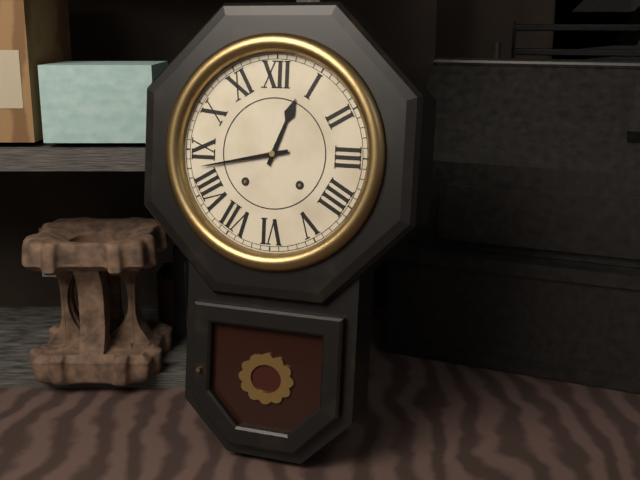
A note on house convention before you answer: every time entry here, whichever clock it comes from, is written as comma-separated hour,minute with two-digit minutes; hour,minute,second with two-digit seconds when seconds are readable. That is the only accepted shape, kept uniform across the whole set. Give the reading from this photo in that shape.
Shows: 12,43
